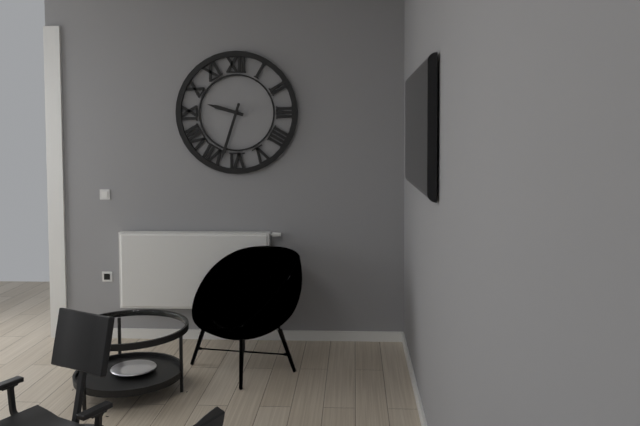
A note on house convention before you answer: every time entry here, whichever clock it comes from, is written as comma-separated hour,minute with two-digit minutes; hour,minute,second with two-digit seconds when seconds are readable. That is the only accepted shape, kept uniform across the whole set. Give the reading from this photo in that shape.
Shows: 9,33
